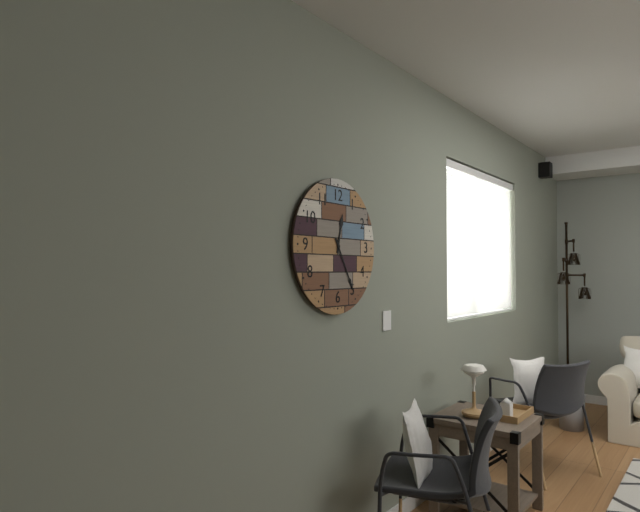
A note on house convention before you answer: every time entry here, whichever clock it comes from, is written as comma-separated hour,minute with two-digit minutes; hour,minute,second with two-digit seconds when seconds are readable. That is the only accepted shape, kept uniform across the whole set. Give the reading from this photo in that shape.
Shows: 12,25
